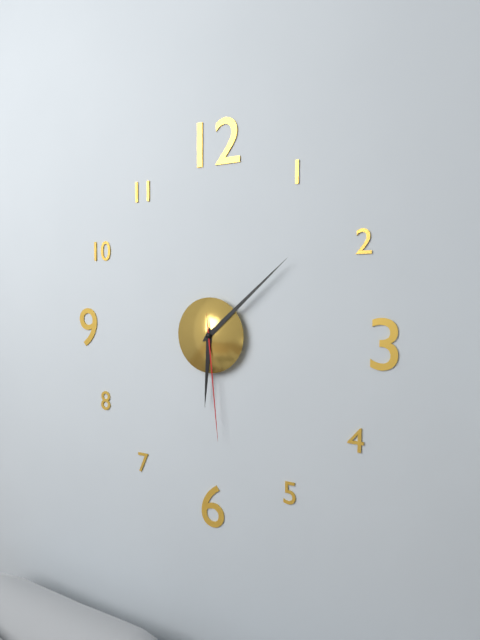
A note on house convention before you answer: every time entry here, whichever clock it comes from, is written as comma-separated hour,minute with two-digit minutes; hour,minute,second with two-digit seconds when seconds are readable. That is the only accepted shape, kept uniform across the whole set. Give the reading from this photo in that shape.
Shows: 6,08,29
